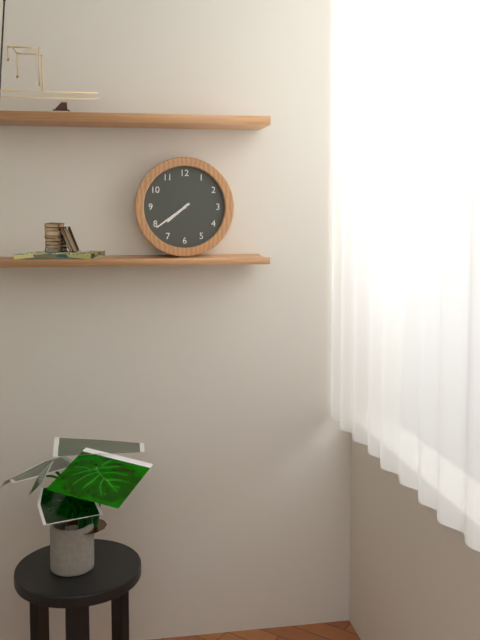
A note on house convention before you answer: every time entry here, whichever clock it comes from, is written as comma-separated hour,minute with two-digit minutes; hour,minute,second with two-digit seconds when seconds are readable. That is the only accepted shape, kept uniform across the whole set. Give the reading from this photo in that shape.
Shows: 7,39
